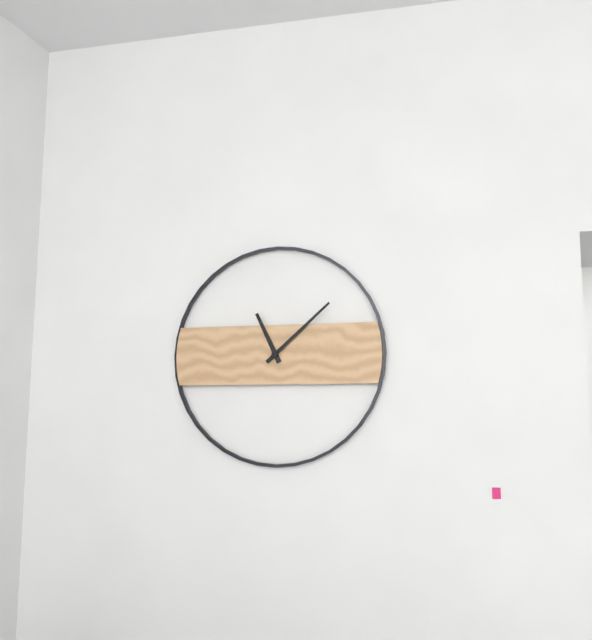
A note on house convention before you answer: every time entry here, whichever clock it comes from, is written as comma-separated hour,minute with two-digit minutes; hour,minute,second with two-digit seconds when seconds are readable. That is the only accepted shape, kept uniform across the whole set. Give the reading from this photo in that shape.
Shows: 11,08
